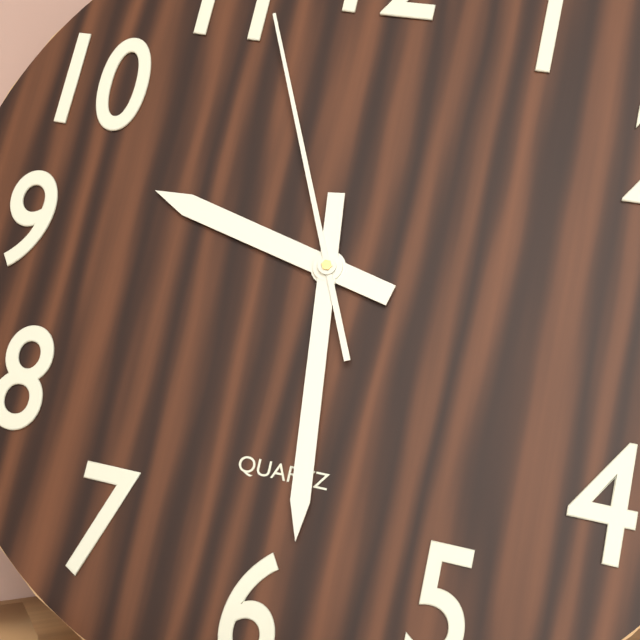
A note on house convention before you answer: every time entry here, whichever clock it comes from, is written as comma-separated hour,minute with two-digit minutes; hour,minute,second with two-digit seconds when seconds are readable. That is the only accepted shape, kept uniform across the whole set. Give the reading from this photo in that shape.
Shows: 9,29,56
